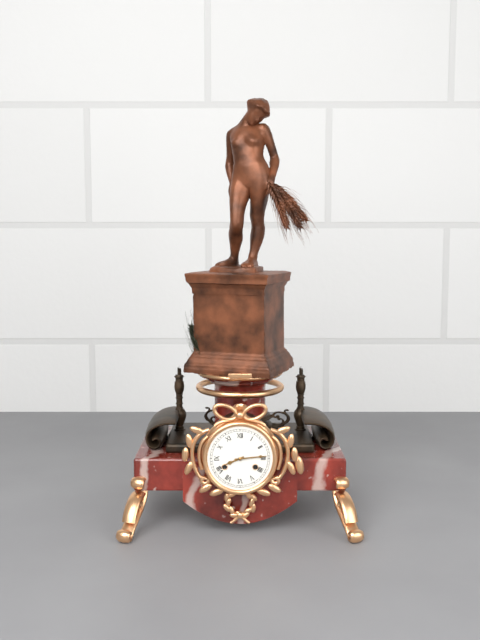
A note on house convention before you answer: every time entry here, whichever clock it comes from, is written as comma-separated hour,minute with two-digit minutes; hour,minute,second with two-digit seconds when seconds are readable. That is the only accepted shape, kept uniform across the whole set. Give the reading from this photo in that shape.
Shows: 8,14
